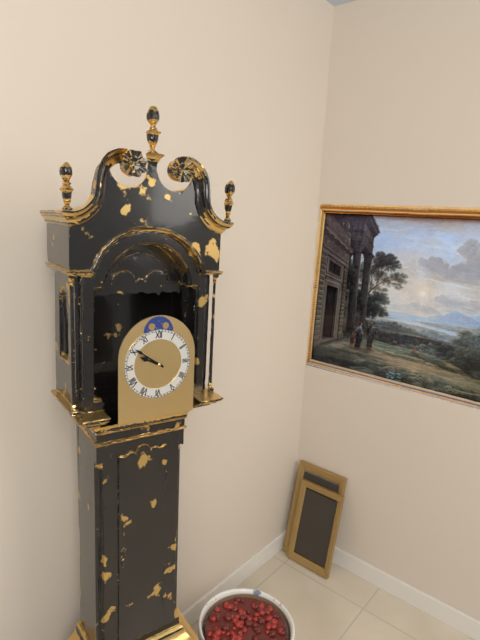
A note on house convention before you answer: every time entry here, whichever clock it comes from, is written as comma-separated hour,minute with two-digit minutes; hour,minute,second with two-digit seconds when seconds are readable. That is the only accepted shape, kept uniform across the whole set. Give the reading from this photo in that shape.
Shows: 9,51
